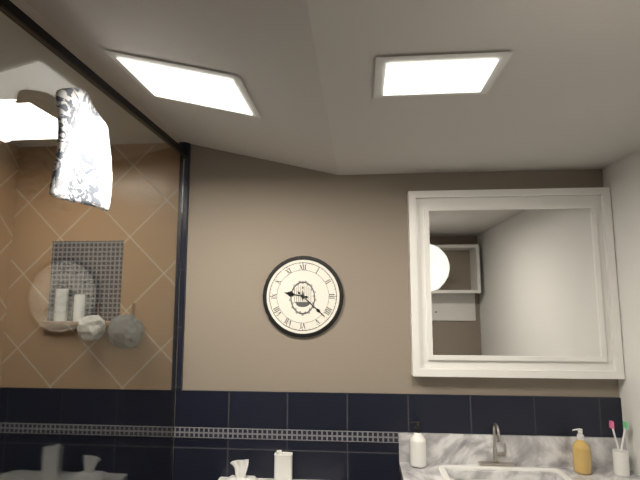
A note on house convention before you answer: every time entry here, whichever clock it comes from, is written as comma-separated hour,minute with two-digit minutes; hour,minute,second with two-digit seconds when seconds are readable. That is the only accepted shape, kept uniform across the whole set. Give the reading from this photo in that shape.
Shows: 9,22
